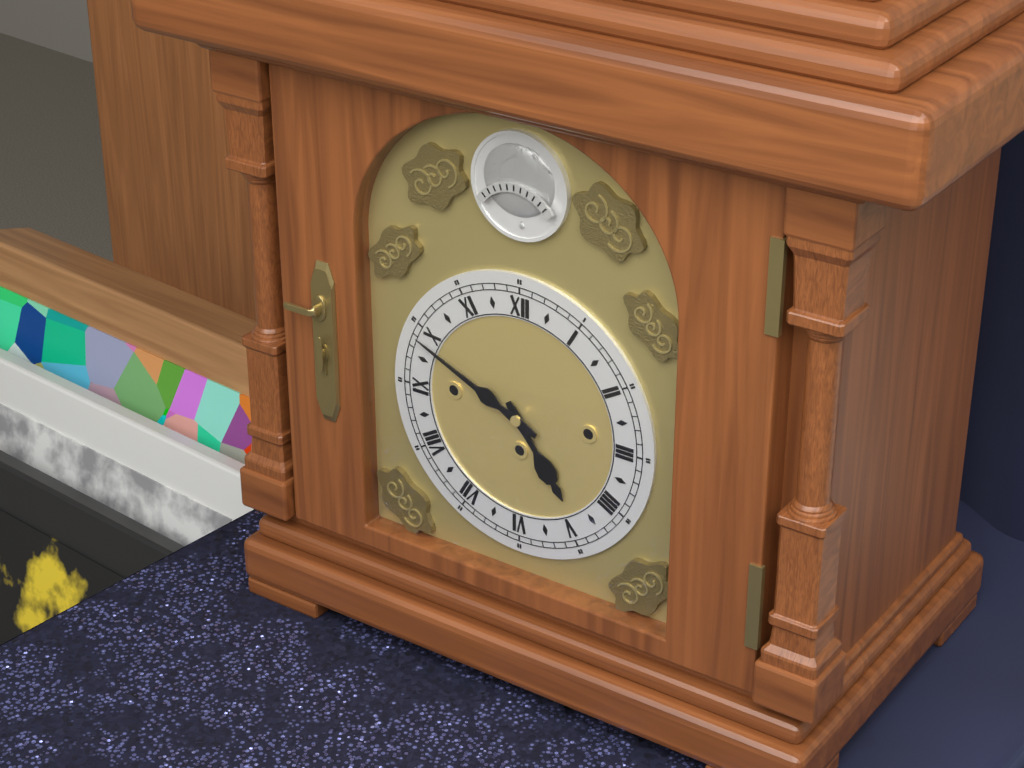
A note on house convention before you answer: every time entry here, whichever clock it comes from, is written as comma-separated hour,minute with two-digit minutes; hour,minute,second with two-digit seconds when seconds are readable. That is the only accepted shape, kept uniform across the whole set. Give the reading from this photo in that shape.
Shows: 4,49
